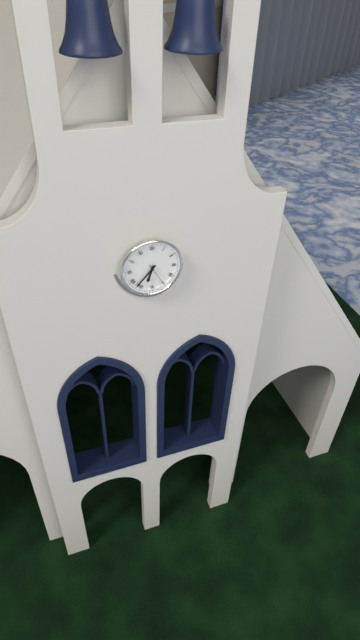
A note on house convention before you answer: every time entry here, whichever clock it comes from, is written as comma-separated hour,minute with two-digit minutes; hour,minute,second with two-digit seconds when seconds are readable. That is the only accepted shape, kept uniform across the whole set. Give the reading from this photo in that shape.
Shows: 6,37
